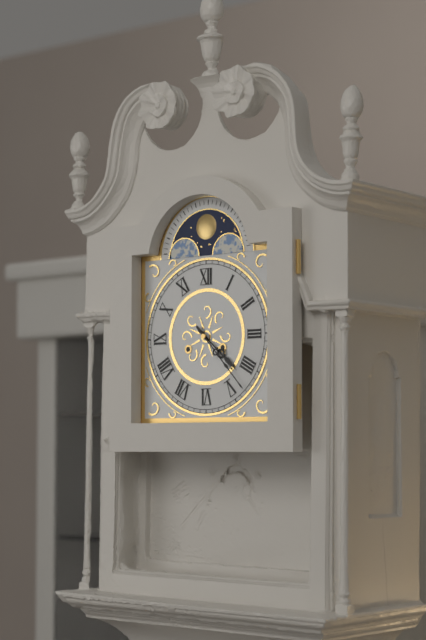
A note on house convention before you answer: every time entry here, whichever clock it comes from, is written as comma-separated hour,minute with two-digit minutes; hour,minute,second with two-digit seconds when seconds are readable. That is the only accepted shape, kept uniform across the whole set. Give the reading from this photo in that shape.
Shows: 4,23
